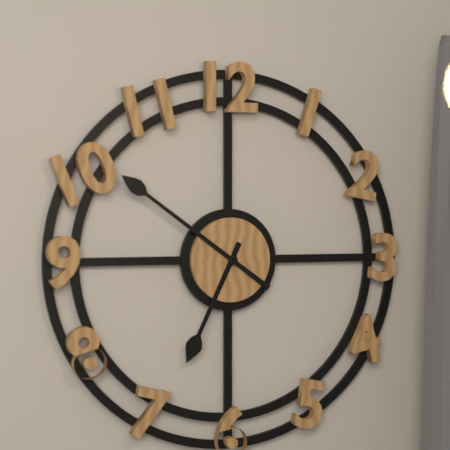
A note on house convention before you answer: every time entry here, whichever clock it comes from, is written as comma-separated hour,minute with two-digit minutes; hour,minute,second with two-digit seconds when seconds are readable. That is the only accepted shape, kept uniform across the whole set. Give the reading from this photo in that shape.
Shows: 6,51
